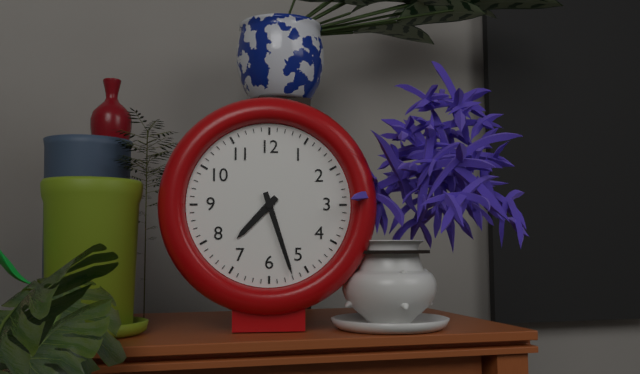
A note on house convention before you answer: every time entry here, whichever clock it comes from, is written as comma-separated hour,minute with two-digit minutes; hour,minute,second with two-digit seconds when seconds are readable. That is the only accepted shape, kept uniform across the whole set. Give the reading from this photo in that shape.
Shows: 7,27
